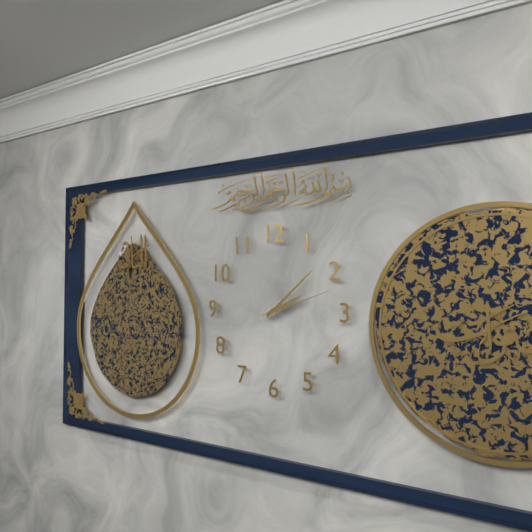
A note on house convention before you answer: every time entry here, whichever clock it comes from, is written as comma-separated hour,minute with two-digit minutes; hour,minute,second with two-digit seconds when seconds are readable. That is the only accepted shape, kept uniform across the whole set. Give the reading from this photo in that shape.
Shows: 2,08,12
